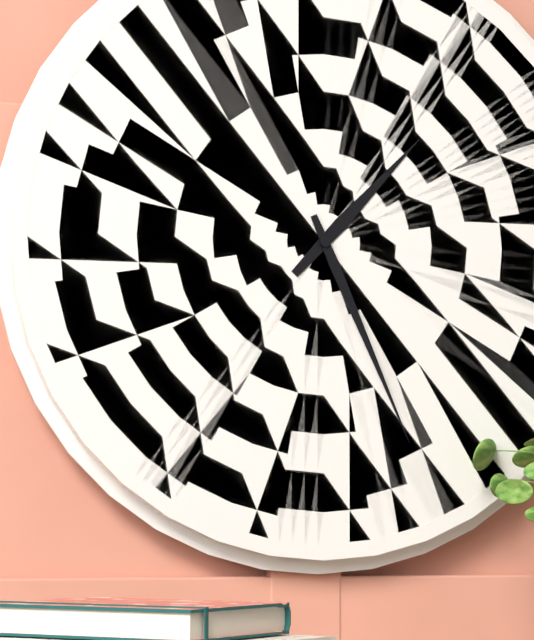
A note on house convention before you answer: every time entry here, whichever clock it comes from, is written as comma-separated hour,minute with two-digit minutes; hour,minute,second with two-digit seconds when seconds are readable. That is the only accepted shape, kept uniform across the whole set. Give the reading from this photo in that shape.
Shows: 1,26
